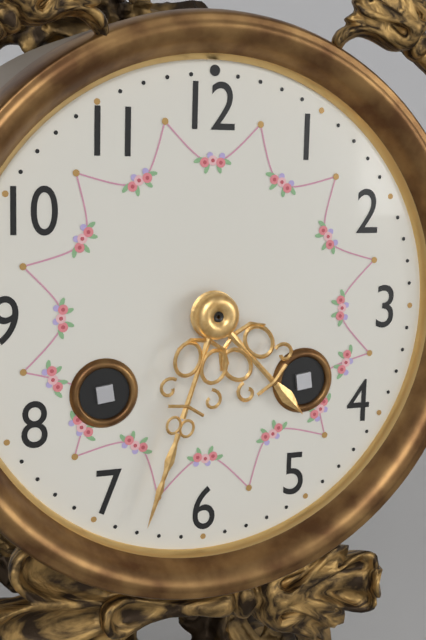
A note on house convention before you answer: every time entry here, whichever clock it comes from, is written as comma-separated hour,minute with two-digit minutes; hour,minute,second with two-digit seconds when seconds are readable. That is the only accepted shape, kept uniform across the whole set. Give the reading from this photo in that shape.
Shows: 4,33
